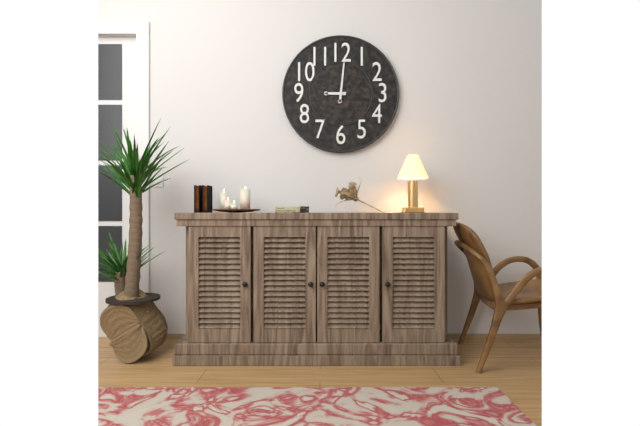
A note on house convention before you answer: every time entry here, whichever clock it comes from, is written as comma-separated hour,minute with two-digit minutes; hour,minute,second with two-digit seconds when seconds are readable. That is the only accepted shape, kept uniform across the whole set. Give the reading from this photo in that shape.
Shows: 9,01
